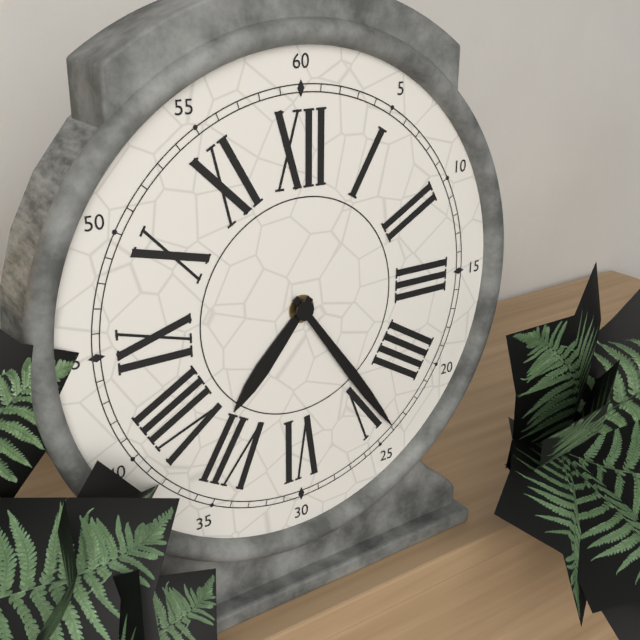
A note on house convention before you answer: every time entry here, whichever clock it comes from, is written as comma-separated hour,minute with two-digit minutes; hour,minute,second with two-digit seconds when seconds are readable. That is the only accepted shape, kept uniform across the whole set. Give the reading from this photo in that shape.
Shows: 7,24
